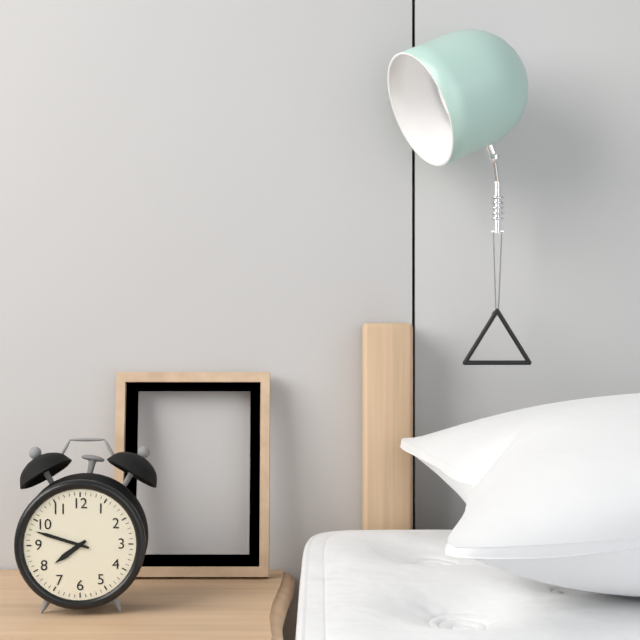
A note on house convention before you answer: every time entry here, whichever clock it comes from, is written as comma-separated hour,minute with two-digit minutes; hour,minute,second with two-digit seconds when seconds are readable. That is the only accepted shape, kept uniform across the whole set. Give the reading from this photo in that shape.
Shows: 7,48
